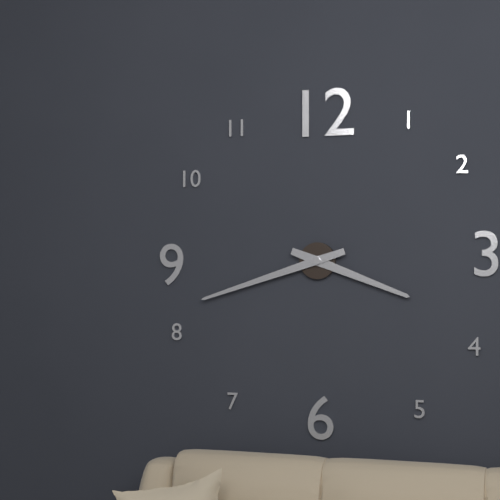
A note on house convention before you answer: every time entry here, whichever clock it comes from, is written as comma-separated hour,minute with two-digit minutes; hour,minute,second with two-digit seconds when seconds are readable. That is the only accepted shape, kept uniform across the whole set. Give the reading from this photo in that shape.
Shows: 3,42
